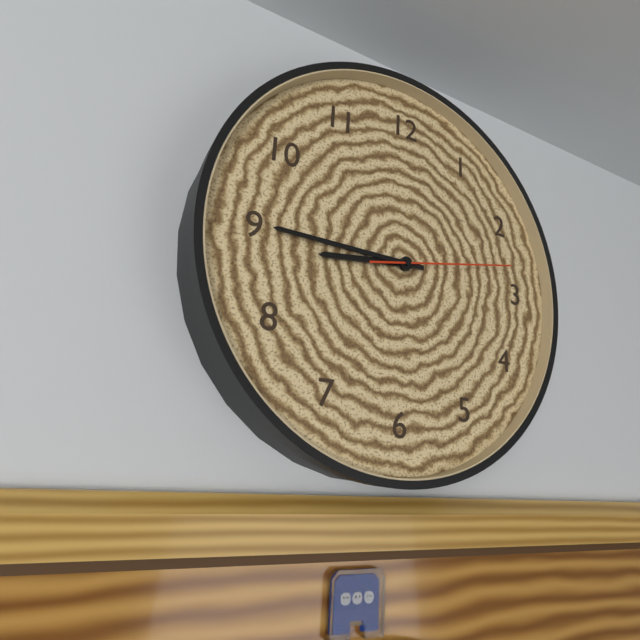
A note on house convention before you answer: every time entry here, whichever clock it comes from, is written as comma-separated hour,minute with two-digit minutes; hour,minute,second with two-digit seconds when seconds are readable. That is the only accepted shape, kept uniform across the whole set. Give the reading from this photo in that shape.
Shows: 8,45,13
